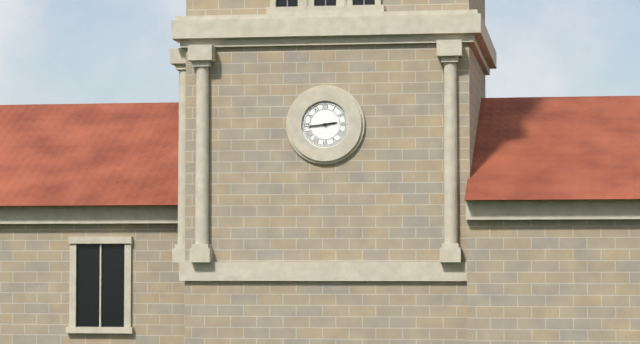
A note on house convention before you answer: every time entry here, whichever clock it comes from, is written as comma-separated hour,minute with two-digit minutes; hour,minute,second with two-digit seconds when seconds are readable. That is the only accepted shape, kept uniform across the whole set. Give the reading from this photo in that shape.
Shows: 2,44
